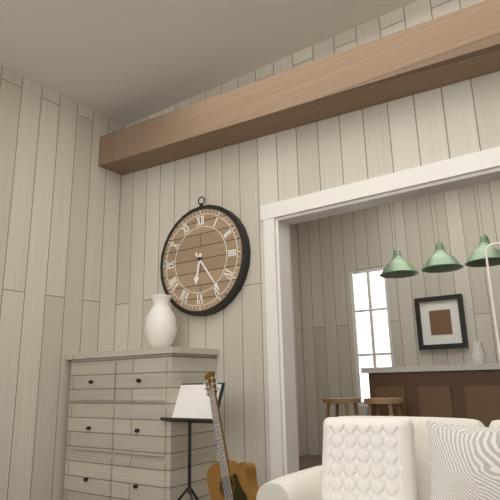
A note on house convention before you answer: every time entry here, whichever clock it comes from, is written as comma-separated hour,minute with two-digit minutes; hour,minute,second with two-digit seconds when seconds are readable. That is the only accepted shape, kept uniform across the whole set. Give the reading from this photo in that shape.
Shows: 6,24
